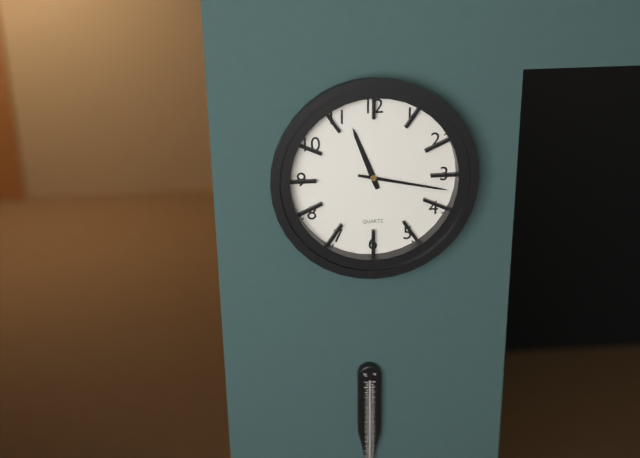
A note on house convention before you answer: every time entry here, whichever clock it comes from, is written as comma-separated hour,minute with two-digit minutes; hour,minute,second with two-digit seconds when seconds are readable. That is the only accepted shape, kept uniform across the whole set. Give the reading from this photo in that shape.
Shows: 11,17
